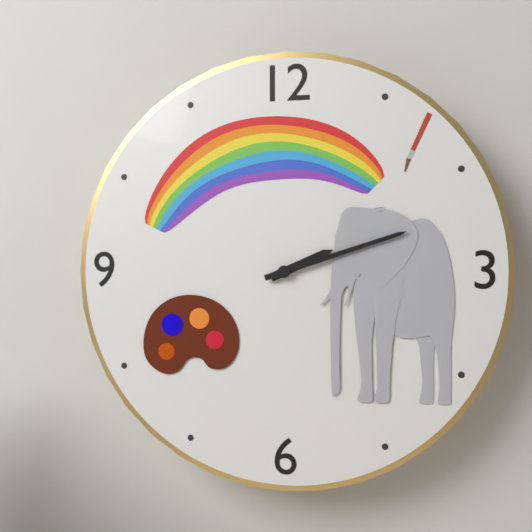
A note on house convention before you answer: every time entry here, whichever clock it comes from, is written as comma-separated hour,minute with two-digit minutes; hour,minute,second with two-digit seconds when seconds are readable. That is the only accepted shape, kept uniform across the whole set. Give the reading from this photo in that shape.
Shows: 2,12
